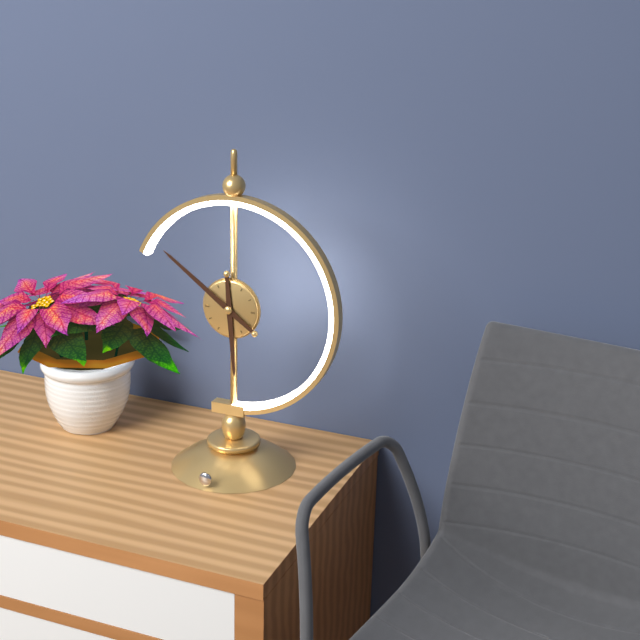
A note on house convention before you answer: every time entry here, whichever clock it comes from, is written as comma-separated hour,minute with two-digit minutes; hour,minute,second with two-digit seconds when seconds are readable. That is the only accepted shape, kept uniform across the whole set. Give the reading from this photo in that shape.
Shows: 5,51
